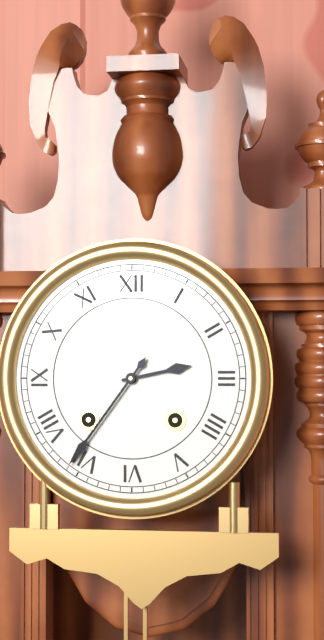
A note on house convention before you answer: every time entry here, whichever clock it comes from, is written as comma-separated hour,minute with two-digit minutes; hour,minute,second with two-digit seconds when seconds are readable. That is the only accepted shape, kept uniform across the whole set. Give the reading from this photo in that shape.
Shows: 2,36
